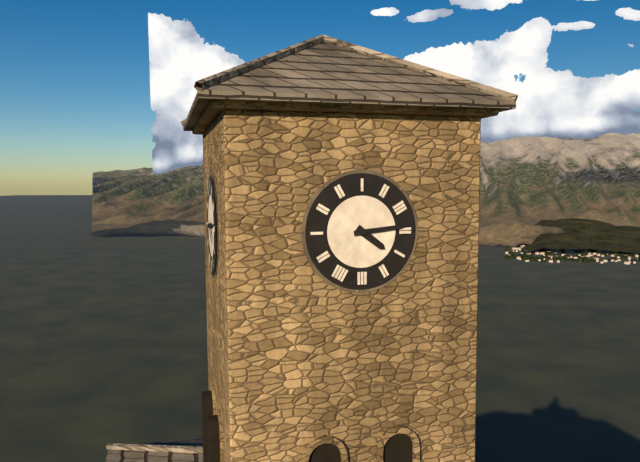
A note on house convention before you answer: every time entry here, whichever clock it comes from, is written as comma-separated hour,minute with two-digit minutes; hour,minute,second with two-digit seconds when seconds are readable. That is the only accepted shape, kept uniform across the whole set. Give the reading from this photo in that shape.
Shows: 4,14
